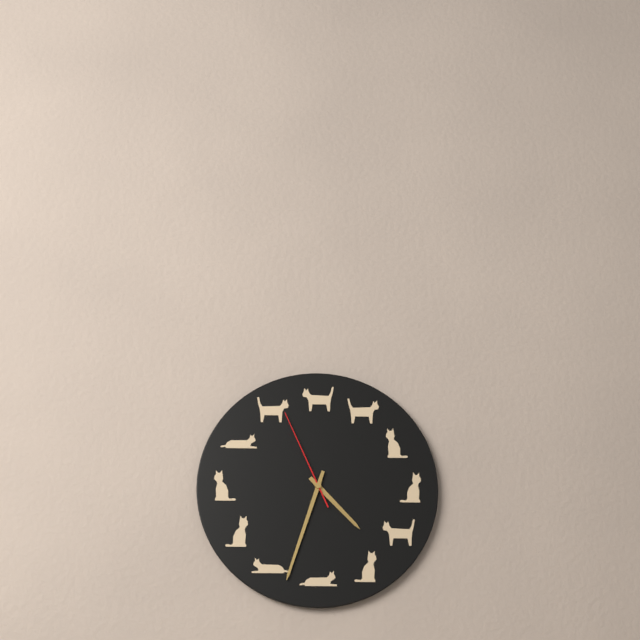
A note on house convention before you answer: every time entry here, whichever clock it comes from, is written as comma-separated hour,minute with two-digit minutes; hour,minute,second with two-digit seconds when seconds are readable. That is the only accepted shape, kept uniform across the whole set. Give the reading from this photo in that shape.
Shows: 4,33,56
